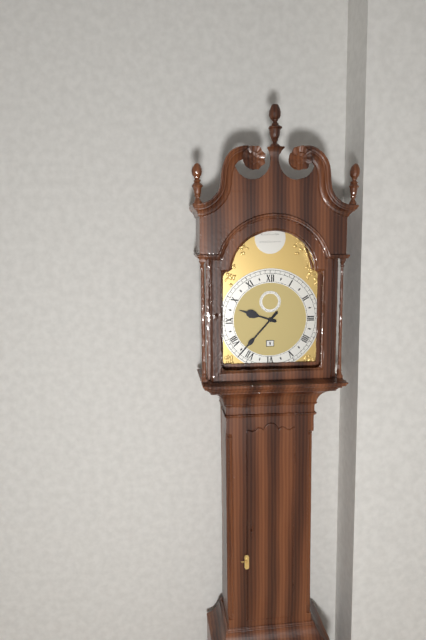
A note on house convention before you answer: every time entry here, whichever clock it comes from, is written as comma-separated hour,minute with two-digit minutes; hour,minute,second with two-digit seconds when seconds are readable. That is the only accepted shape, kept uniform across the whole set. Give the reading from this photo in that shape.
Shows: 9,37
